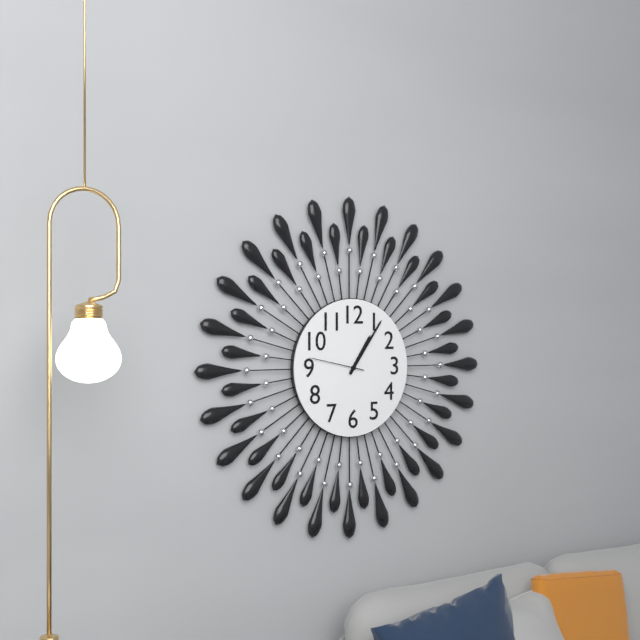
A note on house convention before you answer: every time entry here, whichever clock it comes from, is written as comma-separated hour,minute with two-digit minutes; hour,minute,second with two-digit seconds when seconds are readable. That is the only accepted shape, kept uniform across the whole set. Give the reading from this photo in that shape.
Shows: 1,06
